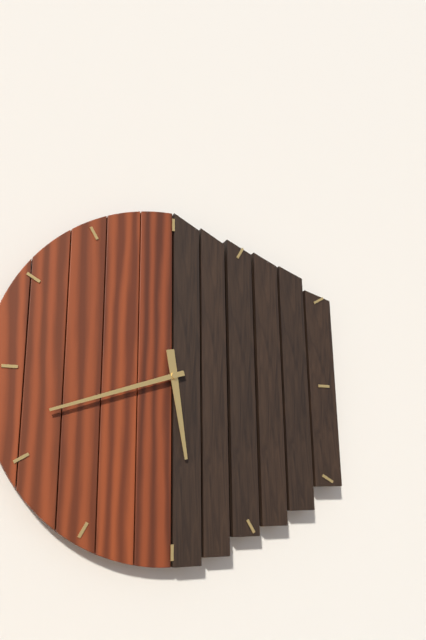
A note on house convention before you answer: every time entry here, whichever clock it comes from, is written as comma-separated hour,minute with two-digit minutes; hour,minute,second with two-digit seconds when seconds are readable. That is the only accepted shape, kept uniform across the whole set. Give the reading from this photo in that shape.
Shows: 5,42
